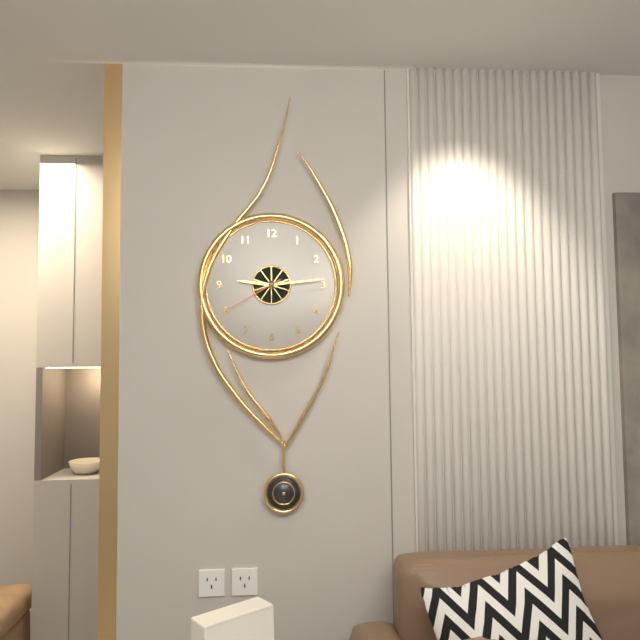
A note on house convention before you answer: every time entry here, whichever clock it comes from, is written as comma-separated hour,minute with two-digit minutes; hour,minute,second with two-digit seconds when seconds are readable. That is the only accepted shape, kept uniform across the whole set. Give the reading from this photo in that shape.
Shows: 9,14,40
